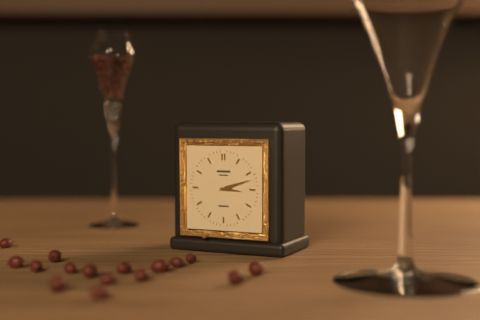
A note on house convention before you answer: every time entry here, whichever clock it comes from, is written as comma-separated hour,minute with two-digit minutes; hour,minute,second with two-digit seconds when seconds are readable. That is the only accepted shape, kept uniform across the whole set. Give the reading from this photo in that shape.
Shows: 3,12
